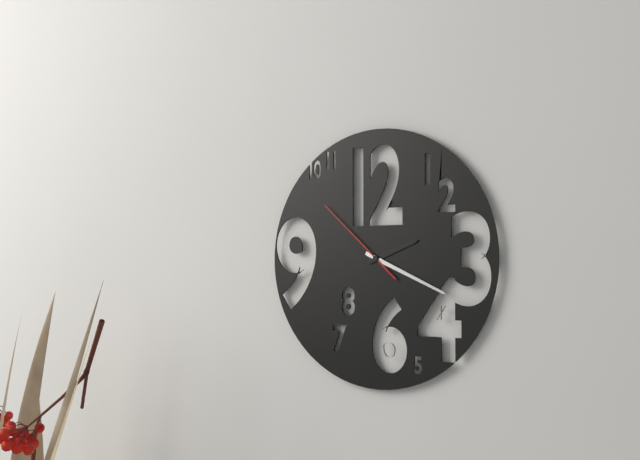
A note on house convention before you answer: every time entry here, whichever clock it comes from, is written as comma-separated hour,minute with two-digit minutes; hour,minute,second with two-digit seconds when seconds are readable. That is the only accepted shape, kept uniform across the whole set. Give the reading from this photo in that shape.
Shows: 2,19,52
